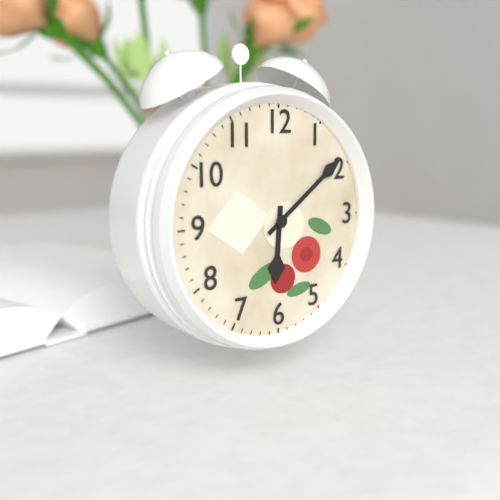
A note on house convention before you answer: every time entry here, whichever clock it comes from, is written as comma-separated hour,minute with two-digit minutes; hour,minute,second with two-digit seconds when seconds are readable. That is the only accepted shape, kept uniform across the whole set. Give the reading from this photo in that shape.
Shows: 6,09
